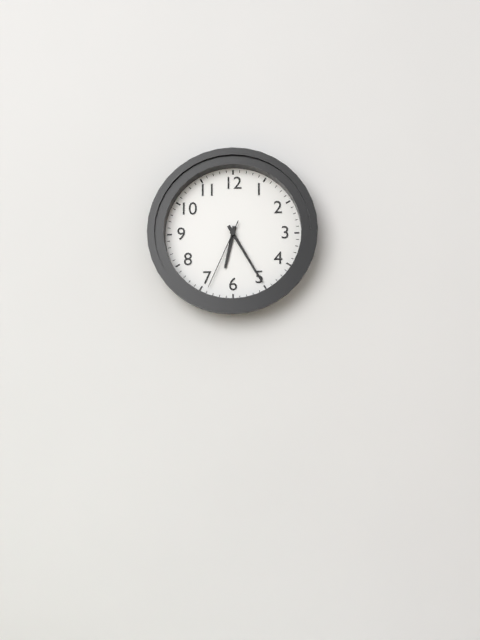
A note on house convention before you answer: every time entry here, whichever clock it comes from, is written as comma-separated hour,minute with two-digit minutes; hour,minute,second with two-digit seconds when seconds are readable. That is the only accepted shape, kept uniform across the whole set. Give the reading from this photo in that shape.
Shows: 6,25,34
